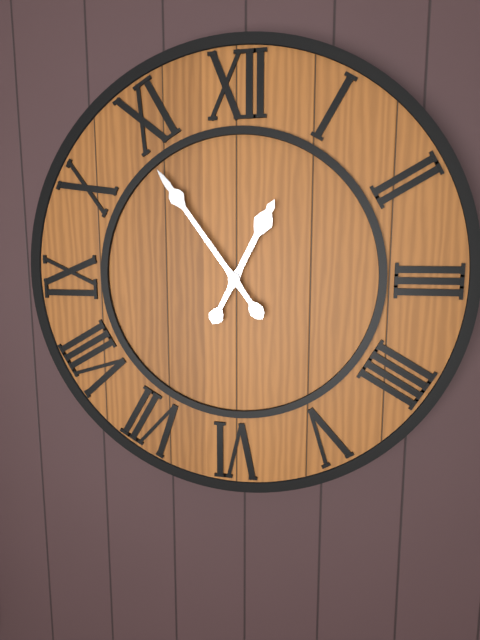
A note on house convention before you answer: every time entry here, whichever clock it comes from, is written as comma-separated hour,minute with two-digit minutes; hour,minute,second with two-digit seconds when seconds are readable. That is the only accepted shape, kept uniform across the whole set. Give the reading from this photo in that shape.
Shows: 12,54
